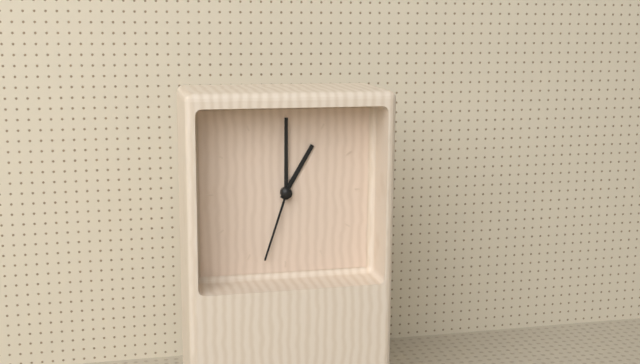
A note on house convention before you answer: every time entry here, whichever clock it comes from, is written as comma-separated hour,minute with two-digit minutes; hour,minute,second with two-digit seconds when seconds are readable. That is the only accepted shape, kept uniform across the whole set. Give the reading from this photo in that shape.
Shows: 1,00,33
